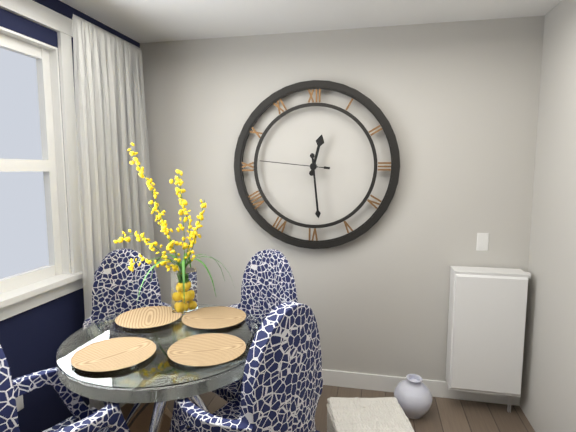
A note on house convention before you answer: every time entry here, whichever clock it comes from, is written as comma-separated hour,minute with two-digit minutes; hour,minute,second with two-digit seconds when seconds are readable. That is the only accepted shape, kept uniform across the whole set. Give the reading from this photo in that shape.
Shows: 12,29,46
